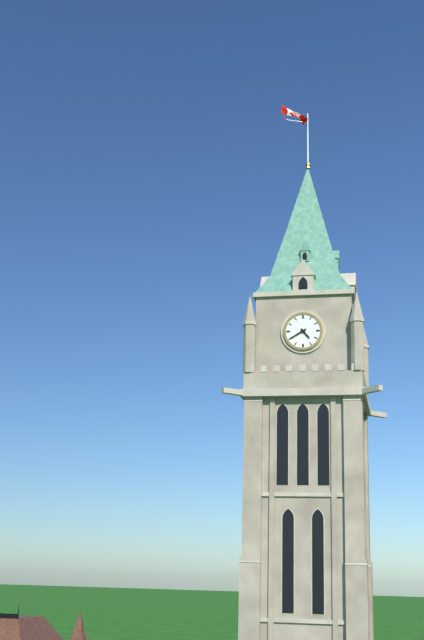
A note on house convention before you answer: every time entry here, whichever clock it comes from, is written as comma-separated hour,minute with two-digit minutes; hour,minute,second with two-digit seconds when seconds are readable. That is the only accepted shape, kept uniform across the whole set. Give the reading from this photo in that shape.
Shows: 4,40
